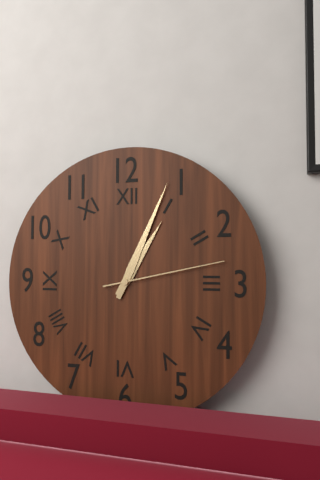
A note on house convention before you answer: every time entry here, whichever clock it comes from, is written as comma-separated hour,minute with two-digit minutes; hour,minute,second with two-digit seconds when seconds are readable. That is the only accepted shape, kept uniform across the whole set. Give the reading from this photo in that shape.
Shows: 1,04,13
